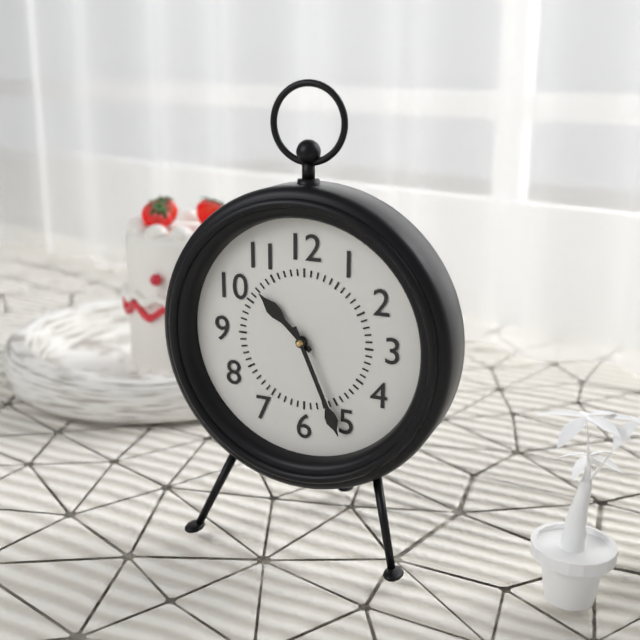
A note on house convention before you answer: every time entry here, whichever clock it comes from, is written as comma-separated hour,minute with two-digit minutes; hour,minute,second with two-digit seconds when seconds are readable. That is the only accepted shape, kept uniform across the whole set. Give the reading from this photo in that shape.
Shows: 10,26
